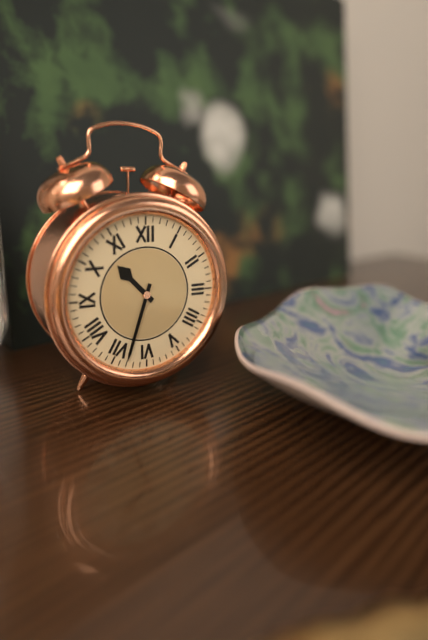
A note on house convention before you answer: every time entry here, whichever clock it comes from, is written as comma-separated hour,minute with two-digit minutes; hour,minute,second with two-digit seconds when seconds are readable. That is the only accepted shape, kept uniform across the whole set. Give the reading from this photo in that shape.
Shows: 10,33
